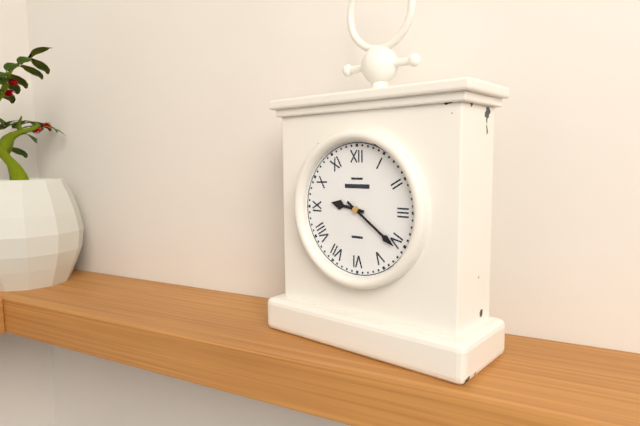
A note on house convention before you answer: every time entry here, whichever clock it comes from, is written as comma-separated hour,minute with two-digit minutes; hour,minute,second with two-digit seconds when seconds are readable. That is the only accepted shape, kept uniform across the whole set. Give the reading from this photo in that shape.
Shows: 9,21
